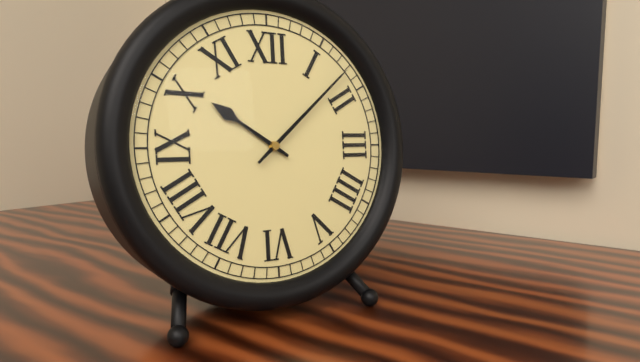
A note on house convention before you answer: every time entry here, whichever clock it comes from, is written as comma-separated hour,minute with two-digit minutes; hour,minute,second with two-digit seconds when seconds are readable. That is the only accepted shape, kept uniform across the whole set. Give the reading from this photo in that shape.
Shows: 10,08
